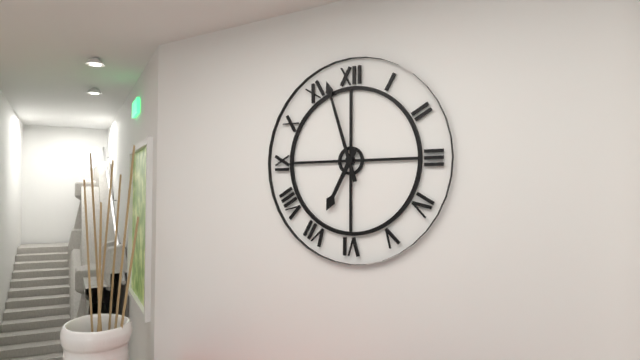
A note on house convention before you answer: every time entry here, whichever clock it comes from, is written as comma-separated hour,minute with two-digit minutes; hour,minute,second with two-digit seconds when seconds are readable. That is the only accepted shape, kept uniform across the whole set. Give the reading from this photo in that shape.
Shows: 6,57
